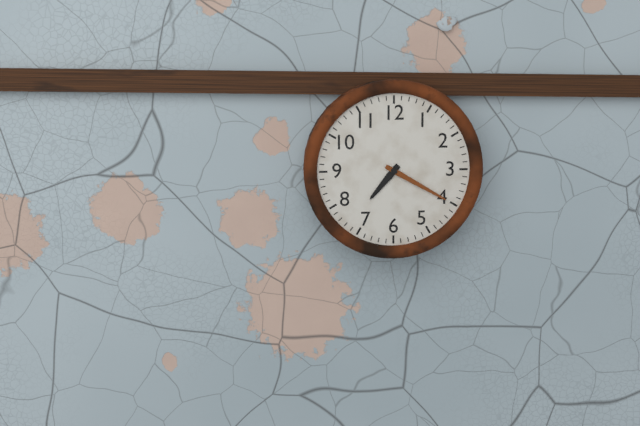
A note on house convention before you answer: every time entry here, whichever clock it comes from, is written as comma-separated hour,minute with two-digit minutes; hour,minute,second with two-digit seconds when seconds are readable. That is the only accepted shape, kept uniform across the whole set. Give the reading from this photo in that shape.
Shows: 7,20
